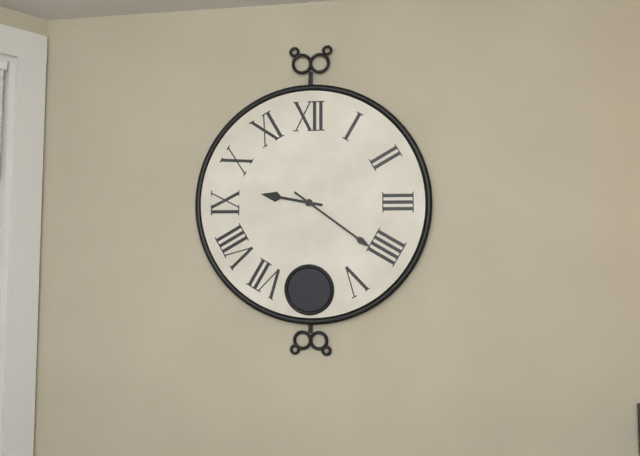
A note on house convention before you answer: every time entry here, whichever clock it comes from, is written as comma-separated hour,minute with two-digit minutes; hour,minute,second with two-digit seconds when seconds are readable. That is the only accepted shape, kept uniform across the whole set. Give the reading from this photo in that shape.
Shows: 9,21
